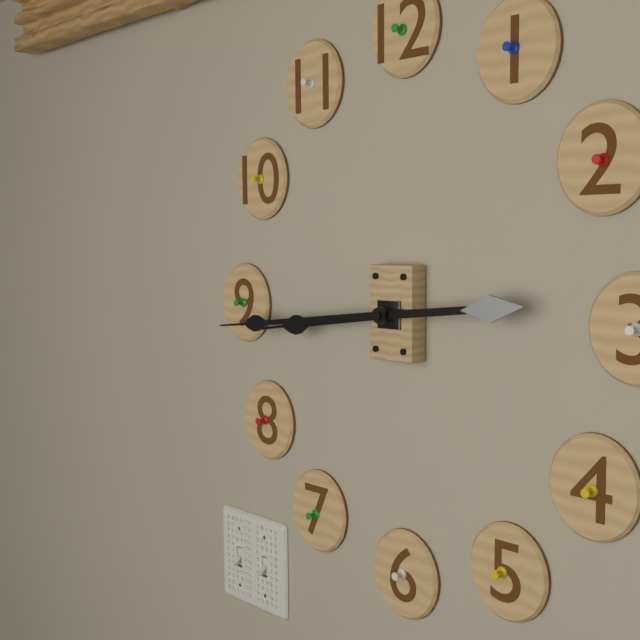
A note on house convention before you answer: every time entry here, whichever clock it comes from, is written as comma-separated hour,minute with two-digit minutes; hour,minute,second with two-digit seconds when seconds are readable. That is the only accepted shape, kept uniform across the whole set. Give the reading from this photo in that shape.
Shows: 8,44
